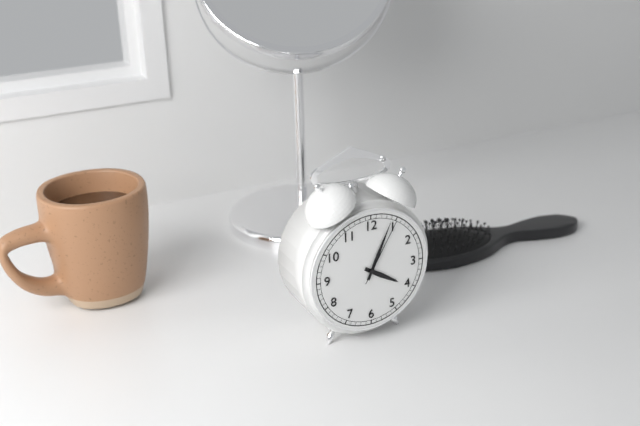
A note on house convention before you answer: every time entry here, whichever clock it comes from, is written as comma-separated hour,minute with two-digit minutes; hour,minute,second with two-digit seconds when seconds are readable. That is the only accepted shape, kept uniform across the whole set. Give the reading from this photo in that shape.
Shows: 4,04,05
